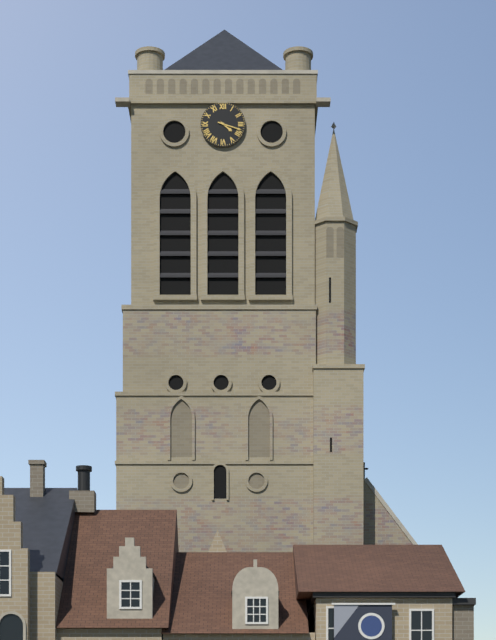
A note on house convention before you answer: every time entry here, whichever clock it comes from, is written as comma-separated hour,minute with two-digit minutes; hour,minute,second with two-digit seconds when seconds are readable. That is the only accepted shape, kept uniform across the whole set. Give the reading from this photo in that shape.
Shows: 4,18
